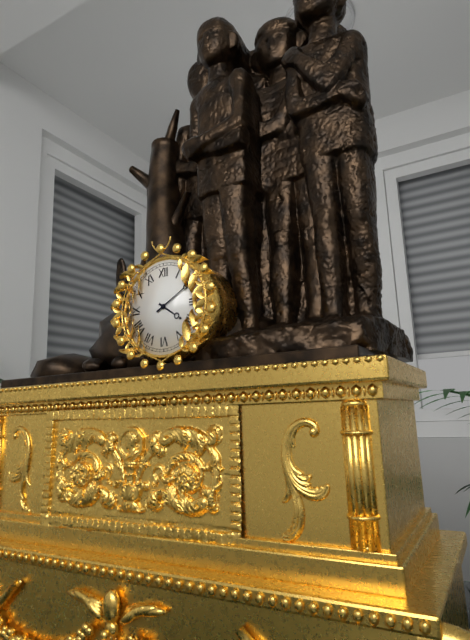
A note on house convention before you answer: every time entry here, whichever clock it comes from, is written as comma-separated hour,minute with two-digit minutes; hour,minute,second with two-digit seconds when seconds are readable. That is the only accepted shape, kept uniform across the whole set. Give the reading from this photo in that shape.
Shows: 4,10
